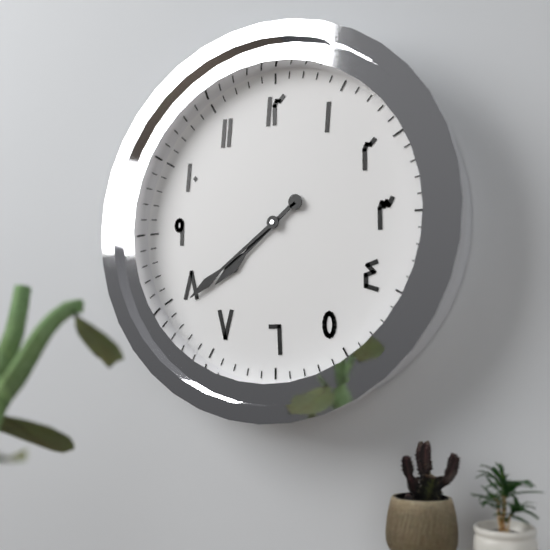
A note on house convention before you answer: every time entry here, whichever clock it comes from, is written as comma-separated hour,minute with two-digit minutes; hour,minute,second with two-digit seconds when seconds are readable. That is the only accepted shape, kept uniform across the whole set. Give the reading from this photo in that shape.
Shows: 7,39
